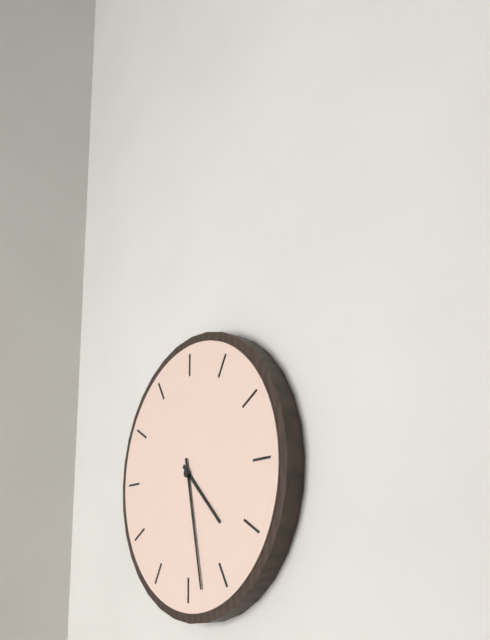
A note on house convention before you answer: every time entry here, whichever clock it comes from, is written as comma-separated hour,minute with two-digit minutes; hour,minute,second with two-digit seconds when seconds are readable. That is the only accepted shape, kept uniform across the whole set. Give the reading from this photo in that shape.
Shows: 4,28
